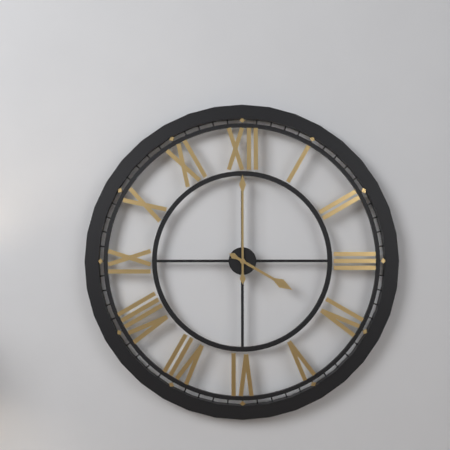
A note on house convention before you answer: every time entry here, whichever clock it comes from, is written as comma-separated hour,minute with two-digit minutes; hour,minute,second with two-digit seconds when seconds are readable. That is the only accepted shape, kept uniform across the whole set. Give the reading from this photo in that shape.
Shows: 4,00
